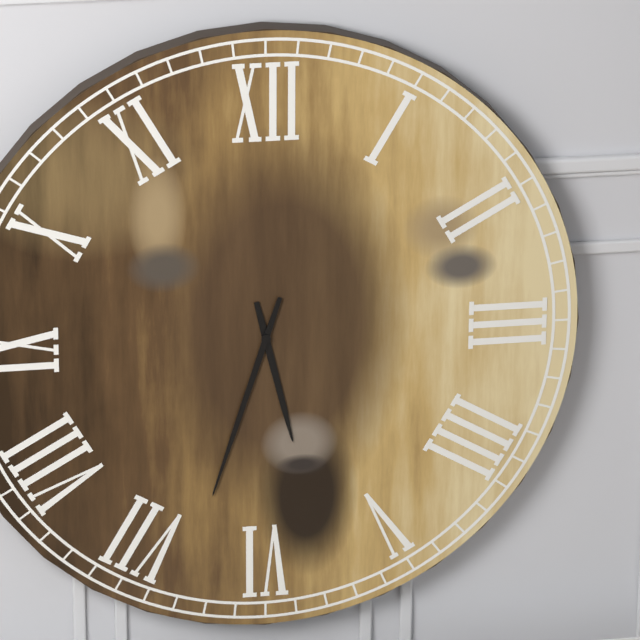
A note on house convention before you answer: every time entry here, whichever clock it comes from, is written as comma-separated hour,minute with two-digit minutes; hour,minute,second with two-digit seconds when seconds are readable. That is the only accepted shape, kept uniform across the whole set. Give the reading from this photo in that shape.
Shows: 5,33
